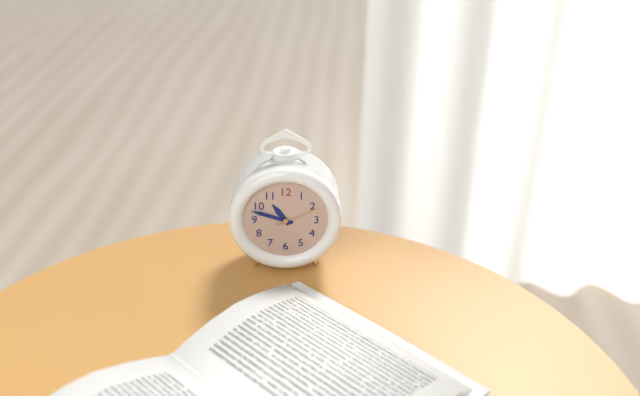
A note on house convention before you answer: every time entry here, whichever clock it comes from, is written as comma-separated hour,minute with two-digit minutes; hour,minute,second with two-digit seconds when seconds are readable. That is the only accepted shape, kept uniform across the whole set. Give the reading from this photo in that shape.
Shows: 10,48
